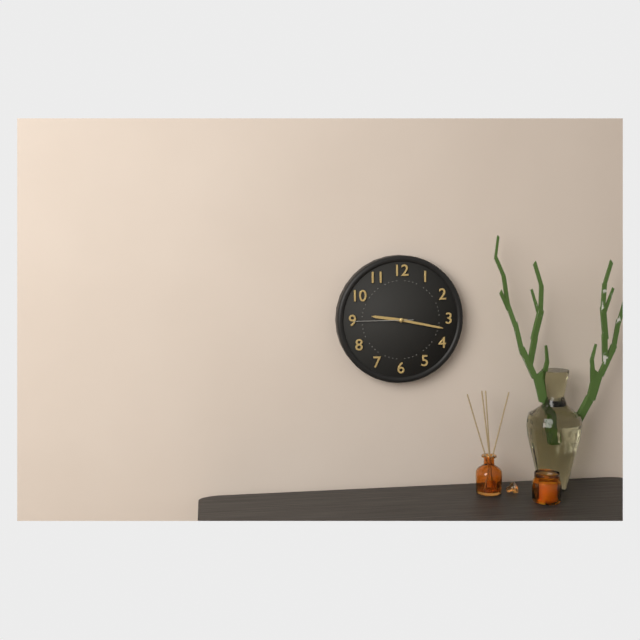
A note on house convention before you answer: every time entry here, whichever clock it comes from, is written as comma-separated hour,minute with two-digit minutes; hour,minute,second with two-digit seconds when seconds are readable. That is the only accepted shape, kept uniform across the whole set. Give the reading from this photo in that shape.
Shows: 9,17,45
